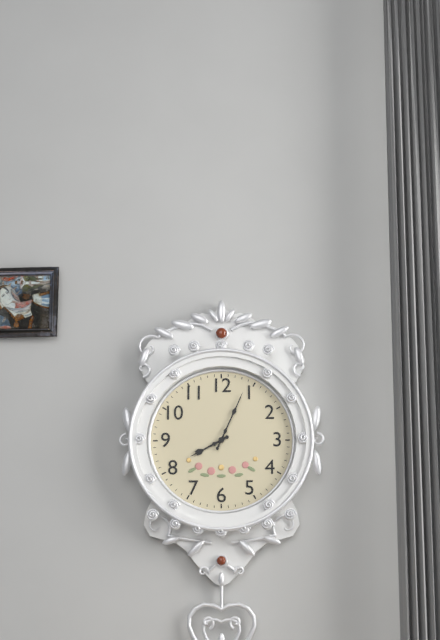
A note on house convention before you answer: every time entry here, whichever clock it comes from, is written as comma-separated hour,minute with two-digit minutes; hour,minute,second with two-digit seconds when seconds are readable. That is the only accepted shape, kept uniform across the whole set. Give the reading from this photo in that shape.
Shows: 8,04
